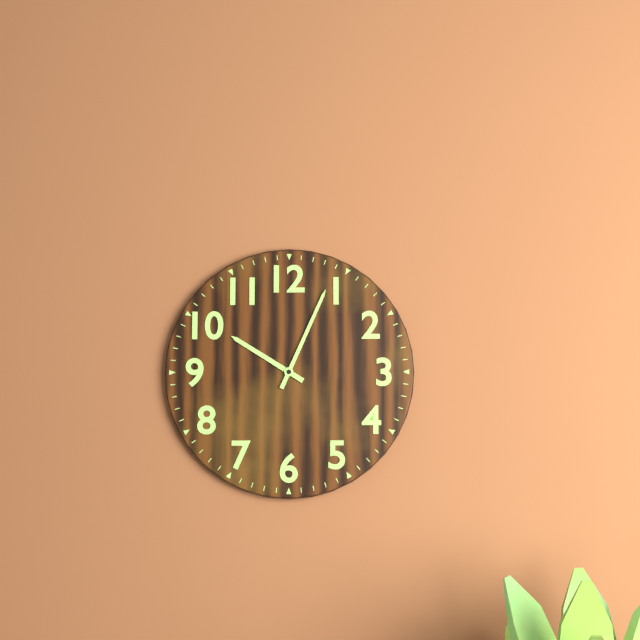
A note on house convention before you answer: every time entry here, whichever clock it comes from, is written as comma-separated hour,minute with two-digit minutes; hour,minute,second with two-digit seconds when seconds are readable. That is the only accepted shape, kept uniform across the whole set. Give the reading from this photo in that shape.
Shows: 10,04
